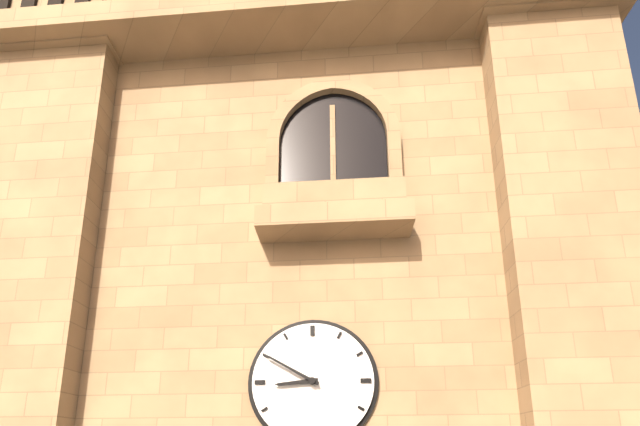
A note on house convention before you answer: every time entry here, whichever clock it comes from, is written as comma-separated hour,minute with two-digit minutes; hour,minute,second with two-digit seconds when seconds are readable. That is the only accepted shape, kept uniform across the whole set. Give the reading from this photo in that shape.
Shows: 8,50
